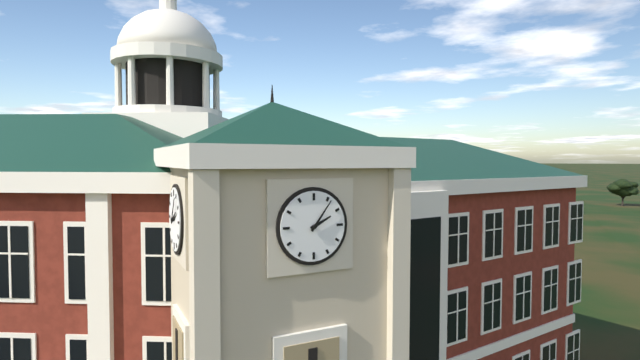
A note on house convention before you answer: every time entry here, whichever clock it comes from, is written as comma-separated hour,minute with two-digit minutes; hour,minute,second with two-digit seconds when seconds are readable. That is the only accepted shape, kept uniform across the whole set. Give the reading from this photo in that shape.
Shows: 2,06
